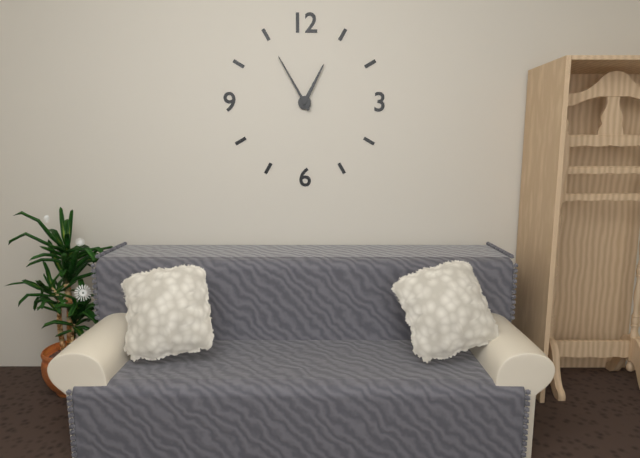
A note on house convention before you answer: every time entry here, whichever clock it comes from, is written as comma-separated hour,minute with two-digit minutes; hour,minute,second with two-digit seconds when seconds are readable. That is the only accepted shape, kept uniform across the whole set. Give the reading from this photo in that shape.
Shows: 12,55
